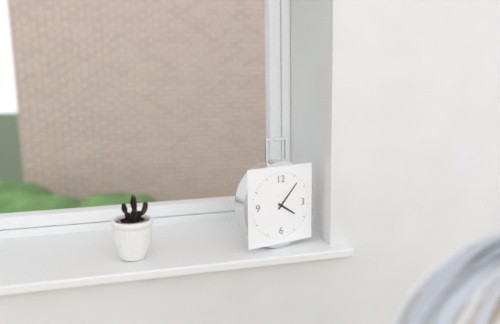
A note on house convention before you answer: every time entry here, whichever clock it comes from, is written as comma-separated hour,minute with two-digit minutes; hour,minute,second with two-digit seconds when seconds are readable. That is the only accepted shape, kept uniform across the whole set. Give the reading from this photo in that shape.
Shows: 4,07
